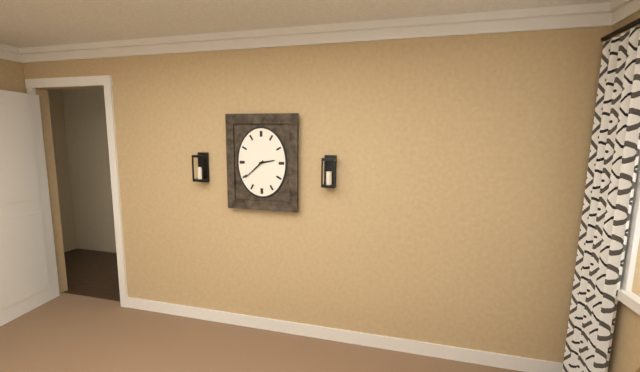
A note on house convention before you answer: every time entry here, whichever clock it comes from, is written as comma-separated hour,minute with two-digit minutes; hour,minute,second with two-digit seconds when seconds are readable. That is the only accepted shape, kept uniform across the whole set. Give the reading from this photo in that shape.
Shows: 2,38
